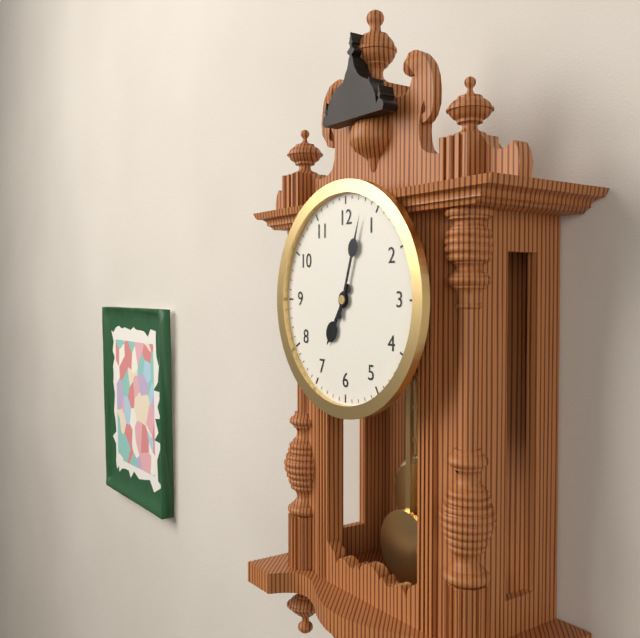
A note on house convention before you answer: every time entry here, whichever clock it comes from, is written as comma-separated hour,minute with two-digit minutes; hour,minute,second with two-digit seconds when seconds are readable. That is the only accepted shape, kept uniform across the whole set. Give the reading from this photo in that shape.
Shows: 7,03
